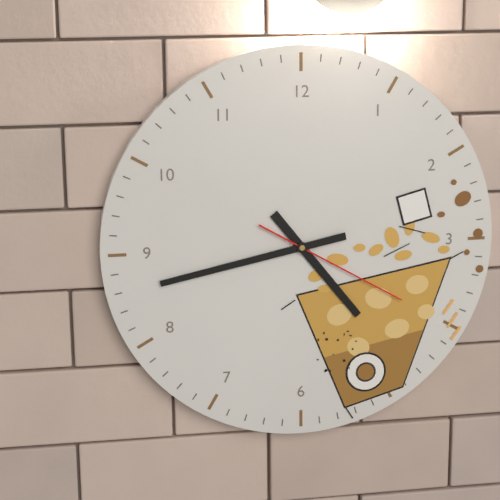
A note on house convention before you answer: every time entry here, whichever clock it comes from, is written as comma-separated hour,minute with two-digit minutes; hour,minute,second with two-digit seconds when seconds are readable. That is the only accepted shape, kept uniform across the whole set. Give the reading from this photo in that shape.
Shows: 4,43,20
